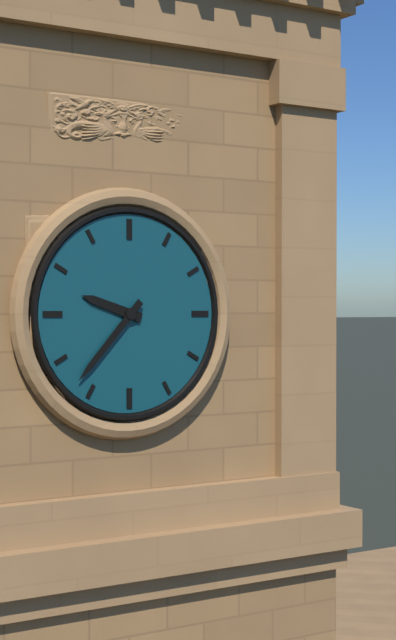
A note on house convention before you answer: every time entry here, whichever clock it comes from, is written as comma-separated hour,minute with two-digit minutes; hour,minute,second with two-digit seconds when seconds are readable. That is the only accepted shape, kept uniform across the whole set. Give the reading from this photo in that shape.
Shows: 9,37
